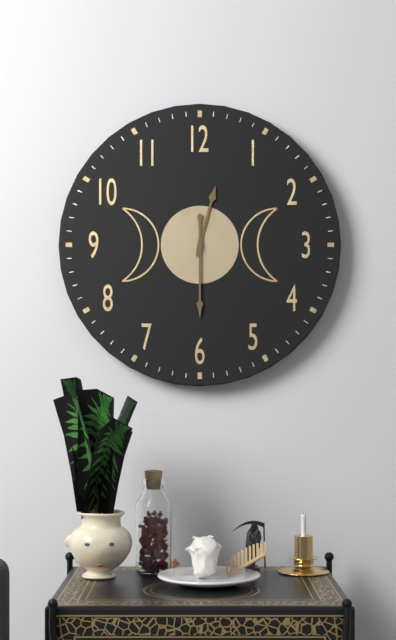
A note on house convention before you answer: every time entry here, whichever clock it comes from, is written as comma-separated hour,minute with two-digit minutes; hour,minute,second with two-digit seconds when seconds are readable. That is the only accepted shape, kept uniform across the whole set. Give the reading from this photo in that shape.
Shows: 12,30
